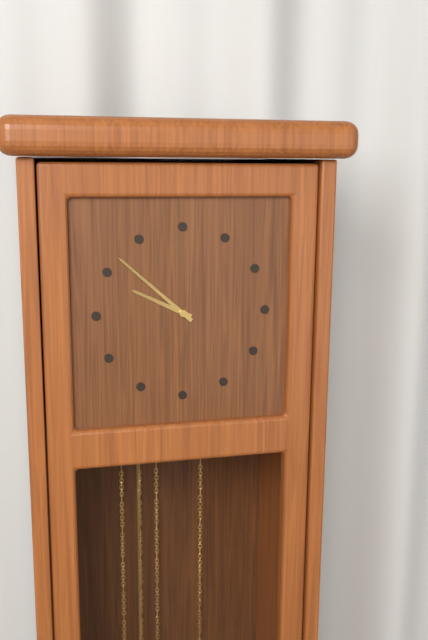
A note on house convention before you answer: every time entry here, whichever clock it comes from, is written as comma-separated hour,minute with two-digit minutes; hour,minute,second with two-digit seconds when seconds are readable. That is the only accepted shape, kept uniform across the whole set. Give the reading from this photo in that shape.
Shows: 9,52
